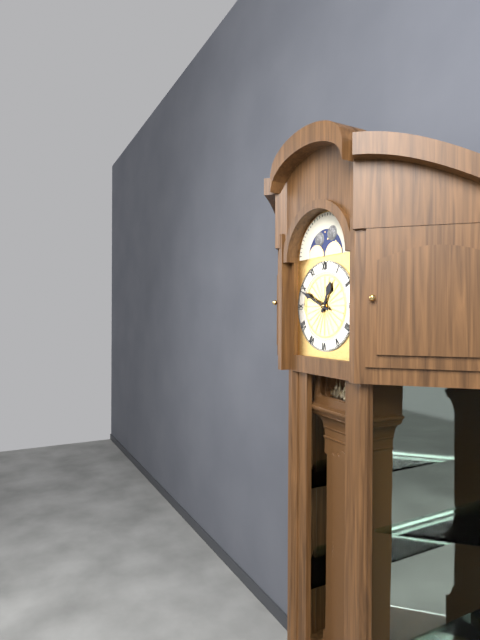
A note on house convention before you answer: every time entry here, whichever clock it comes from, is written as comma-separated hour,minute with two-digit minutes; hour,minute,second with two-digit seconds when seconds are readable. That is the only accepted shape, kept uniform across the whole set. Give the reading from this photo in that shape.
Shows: 12,49
